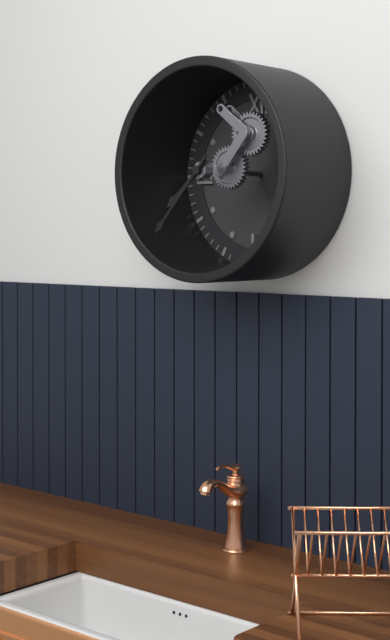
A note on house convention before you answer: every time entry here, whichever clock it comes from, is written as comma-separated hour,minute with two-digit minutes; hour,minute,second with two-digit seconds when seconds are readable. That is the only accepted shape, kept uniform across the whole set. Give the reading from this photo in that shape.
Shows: 7,37
